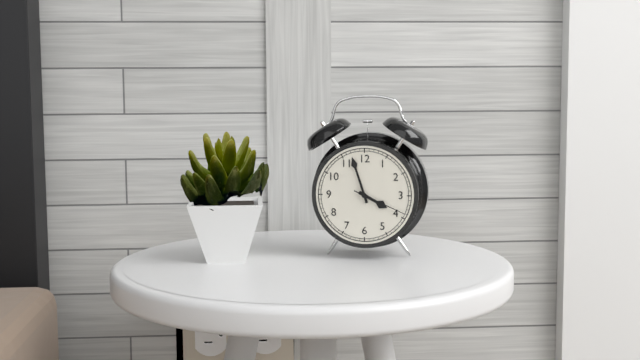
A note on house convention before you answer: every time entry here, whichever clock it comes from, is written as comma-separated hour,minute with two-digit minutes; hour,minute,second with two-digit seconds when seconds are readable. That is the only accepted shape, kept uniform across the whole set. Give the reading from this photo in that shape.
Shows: 3,57,19
